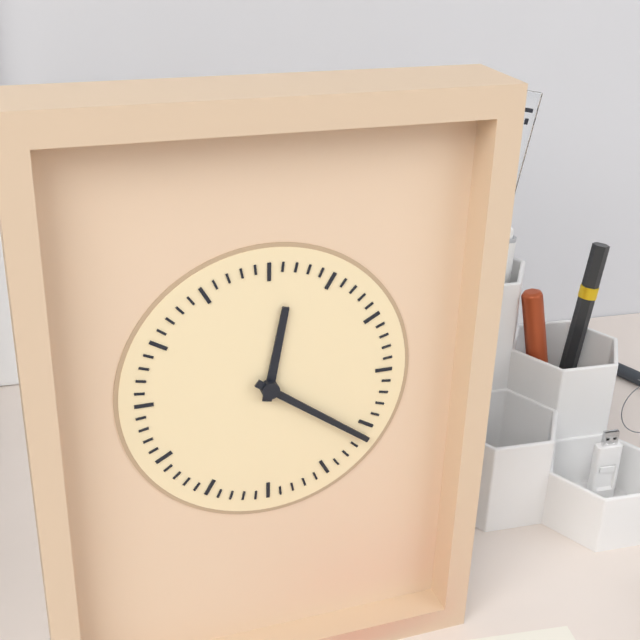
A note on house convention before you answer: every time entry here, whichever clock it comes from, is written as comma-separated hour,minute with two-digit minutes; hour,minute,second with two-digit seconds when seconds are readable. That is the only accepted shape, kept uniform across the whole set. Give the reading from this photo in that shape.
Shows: 12,21
